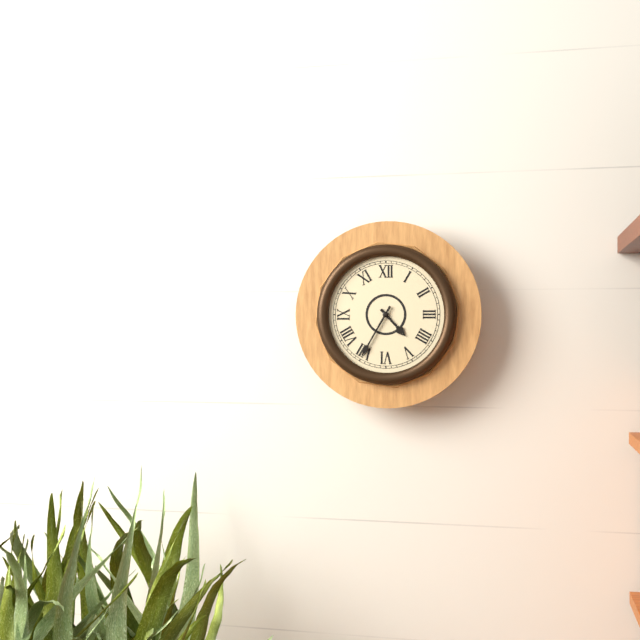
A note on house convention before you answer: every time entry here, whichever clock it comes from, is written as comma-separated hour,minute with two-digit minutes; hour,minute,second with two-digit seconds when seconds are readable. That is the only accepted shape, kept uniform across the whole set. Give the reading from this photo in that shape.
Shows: 4,35
